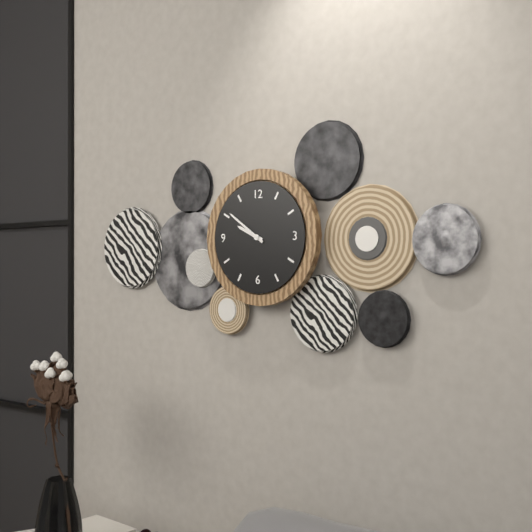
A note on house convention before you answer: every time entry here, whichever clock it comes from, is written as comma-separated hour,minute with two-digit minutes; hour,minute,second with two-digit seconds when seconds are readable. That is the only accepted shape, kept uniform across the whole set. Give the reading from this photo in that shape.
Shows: 9,51
